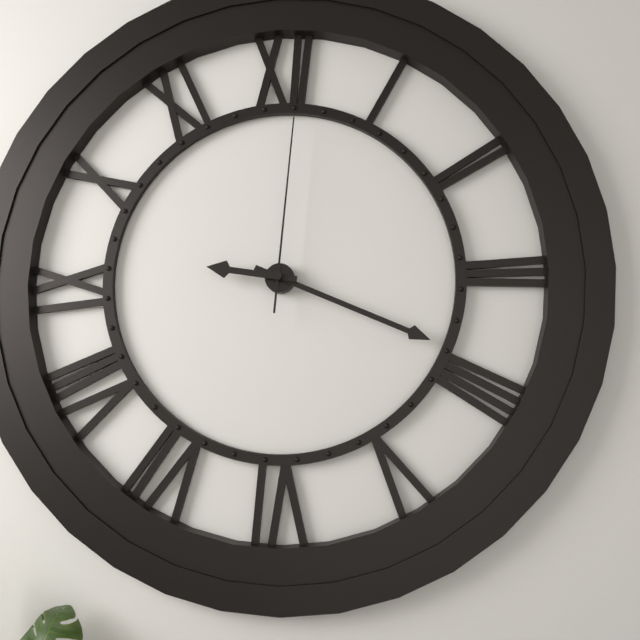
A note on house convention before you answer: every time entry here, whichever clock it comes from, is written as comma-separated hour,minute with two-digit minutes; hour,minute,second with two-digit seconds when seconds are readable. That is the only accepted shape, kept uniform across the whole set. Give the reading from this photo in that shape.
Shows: 9,19,01
